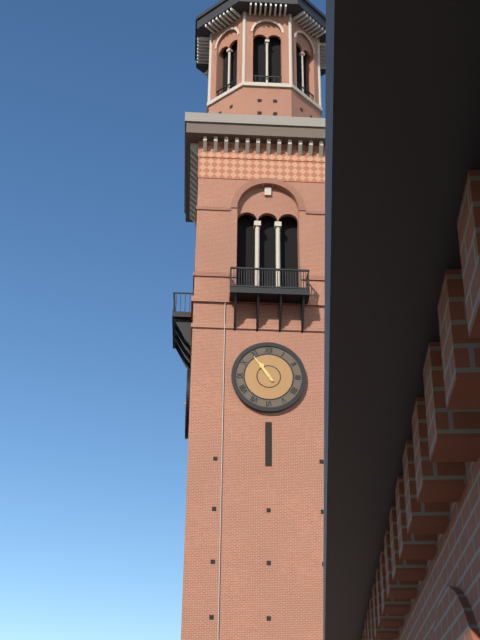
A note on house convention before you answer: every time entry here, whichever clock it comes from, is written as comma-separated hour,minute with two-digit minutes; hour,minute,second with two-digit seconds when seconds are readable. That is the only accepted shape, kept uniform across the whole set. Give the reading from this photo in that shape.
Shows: 10,54
